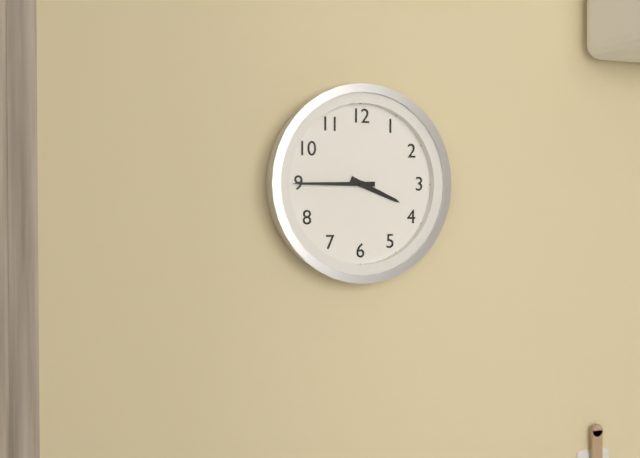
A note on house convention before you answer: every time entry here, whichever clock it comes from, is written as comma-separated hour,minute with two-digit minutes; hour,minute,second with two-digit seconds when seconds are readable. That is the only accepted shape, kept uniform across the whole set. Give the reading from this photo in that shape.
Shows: 3,45
